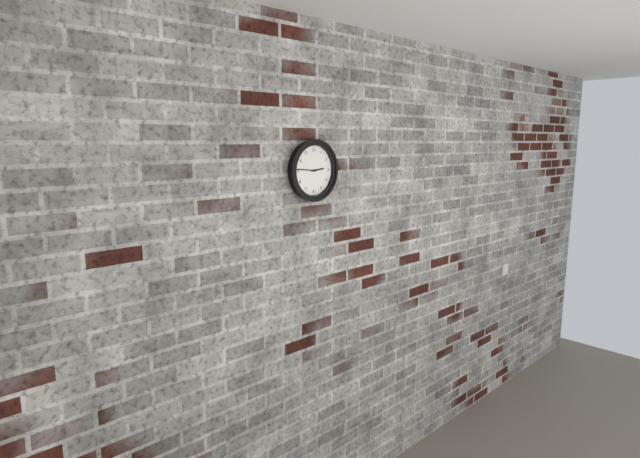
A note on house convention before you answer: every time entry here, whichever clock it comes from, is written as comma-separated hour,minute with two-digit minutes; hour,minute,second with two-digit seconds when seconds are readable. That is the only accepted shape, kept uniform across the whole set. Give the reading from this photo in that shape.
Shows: 2,46
